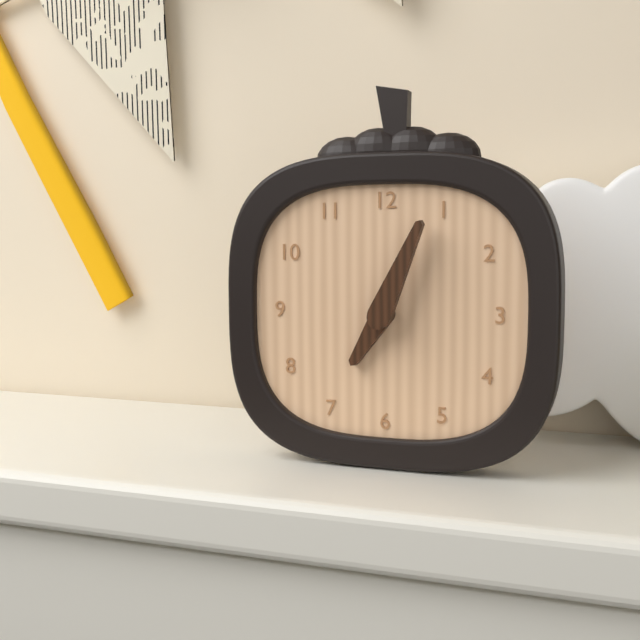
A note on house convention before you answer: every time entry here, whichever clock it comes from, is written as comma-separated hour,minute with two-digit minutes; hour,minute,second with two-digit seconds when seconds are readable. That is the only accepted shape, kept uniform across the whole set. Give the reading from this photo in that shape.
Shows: 7,04
